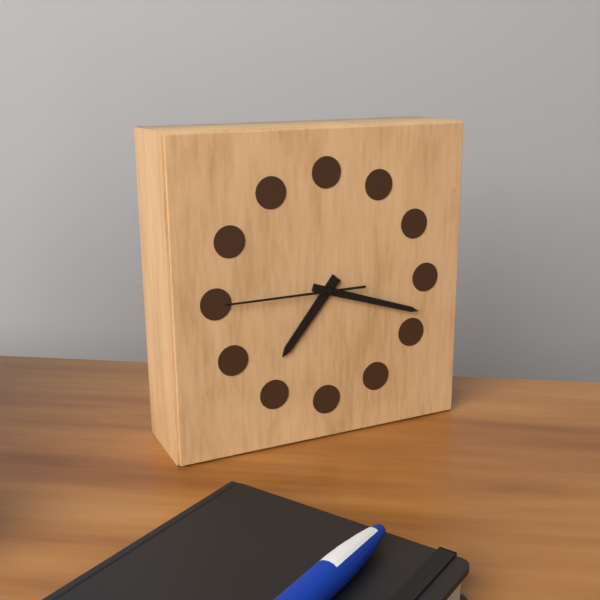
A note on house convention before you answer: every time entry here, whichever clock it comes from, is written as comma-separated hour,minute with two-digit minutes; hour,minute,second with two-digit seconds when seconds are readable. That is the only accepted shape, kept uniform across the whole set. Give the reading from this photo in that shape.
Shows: 7,18,45
